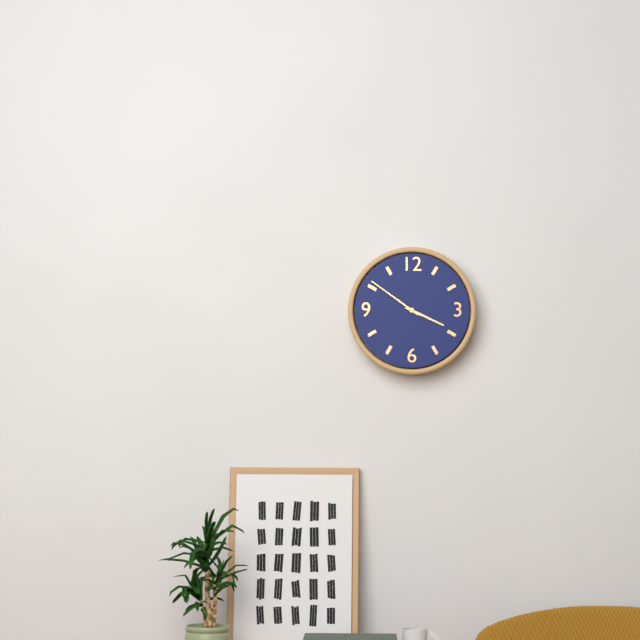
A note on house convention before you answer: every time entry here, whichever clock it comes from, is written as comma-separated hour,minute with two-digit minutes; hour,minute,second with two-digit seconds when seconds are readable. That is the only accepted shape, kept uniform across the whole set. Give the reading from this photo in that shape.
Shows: 3,51
